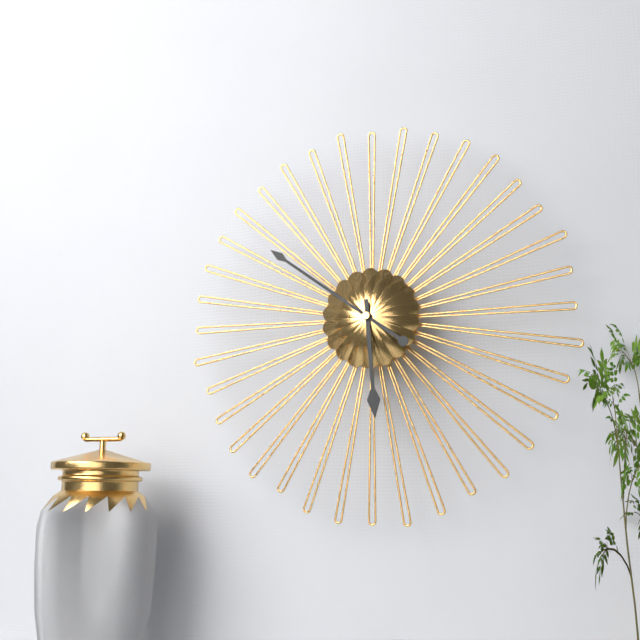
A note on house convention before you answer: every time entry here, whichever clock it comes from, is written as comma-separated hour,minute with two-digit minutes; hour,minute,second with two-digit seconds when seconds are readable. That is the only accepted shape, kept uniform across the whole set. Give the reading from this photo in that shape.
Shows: 5,51
